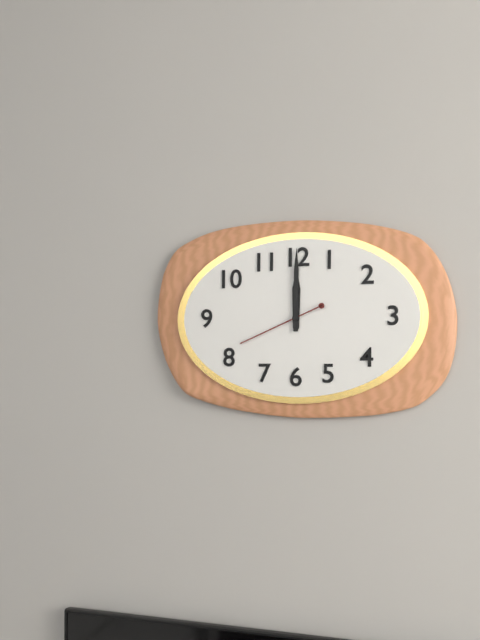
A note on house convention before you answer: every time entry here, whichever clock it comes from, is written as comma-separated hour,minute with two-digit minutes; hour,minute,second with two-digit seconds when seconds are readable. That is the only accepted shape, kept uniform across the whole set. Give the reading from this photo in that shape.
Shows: 12,00,41
